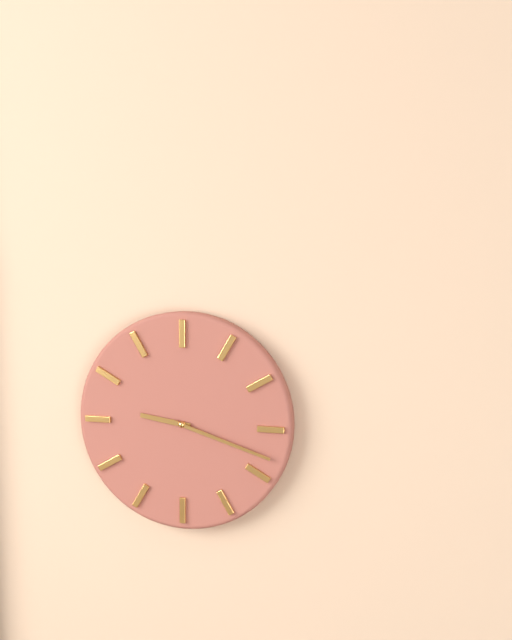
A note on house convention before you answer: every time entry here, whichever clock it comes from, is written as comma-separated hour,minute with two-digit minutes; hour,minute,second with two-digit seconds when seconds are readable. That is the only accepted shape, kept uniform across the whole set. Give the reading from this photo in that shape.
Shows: 9,18
